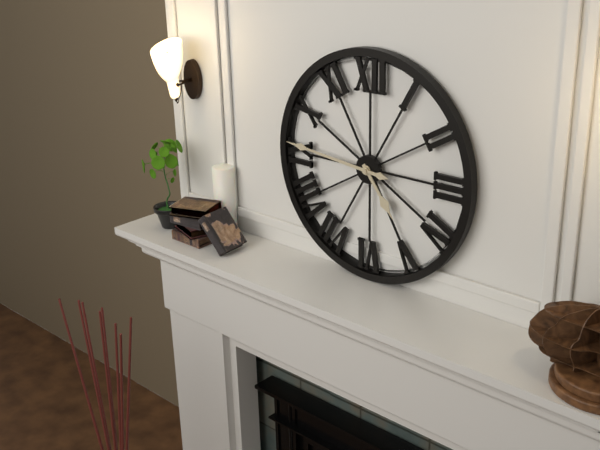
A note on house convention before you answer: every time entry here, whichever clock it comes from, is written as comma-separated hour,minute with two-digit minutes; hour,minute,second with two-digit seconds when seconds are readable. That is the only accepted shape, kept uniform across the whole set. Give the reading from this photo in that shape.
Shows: 4,46
